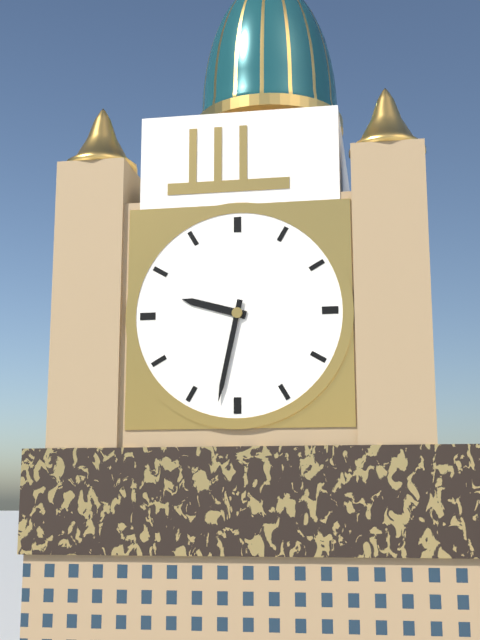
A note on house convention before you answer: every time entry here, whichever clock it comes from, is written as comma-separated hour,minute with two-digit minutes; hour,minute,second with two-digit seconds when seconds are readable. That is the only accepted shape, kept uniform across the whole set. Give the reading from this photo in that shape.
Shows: 9,32
